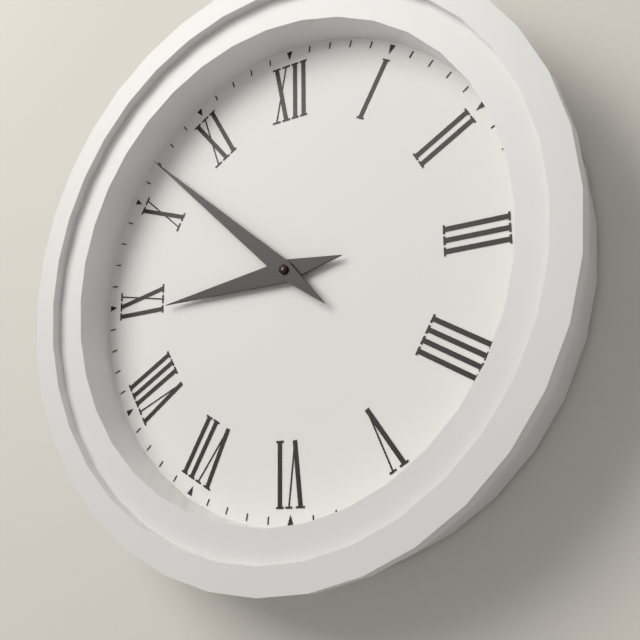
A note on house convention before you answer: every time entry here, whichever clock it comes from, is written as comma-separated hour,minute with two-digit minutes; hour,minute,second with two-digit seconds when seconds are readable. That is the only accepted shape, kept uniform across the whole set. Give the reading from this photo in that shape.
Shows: 8,52
